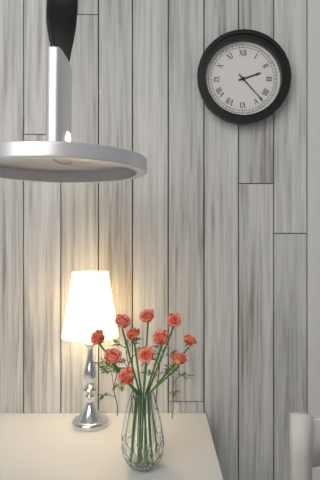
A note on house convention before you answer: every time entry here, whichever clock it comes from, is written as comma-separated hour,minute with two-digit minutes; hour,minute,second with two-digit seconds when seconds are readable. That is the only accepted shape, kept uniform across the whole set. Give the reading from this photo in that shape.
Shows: 2,23
